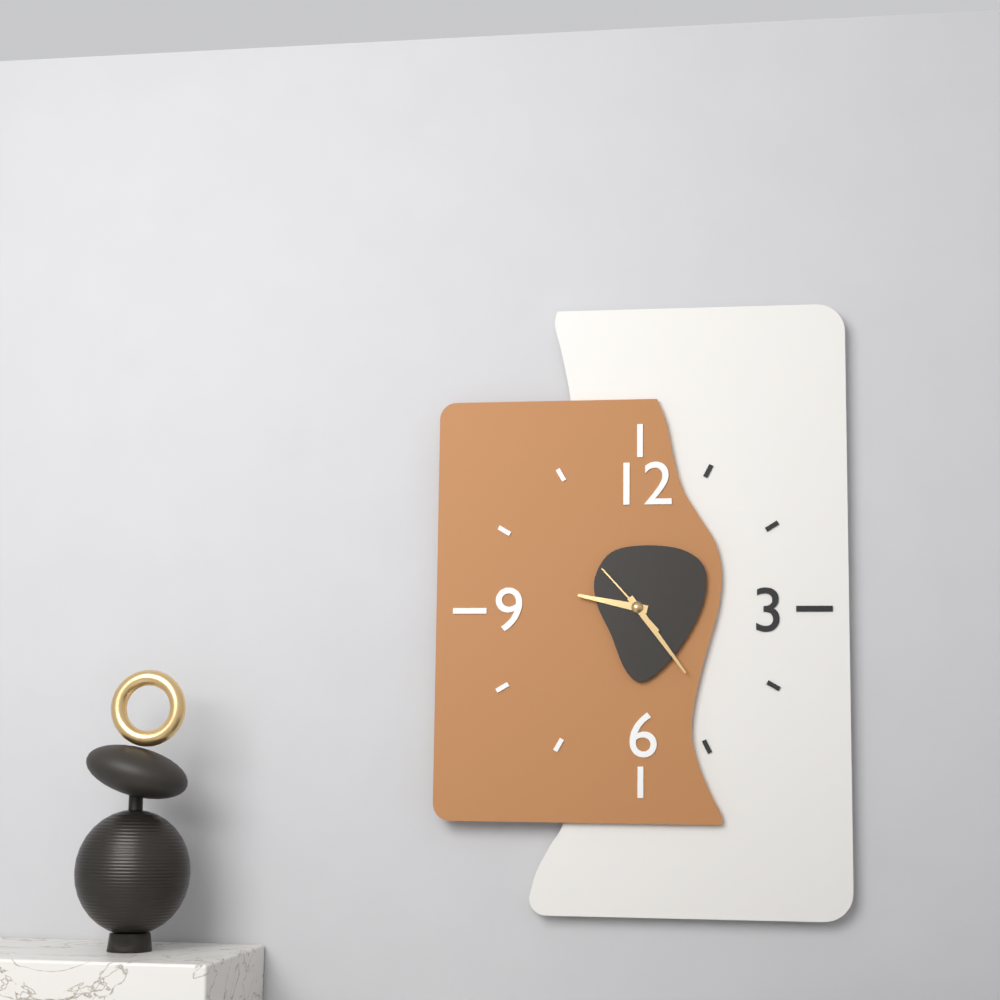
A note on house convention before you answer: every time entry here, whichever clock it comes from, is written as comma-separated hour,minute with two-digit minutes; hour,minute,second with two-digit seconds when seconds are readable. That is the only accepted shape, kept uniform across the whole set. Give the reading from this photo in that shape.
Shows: 9,24,53
